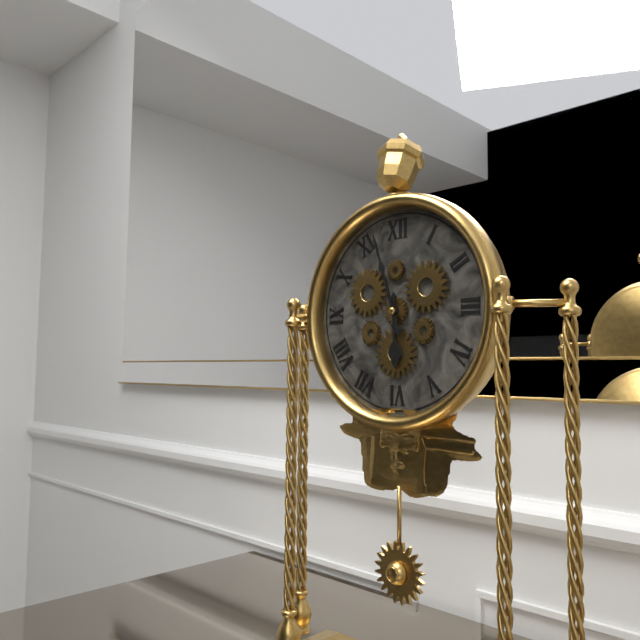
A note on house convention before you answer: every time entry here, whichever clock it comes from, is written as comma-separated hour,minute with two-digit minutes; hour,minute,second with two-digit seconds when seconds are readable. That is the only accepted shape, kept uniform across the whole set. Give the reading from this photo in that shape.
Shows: 5,57
